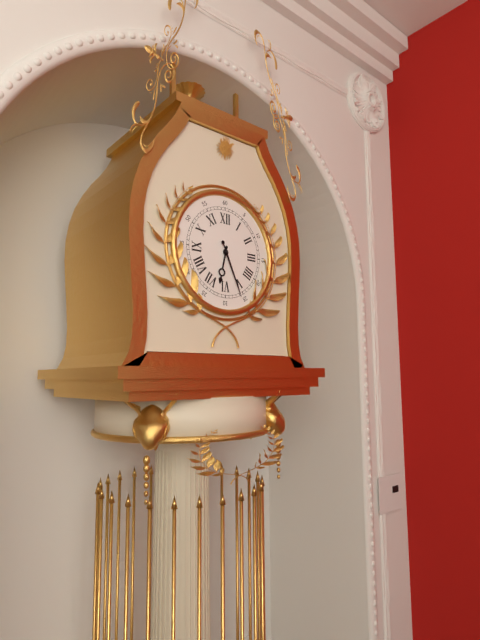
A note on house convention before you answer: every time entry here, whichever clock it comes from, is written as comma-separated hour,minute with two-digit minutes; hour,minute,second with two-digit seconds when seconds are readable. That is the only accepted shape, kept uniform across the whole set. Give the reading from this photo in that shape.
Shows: 6,26
